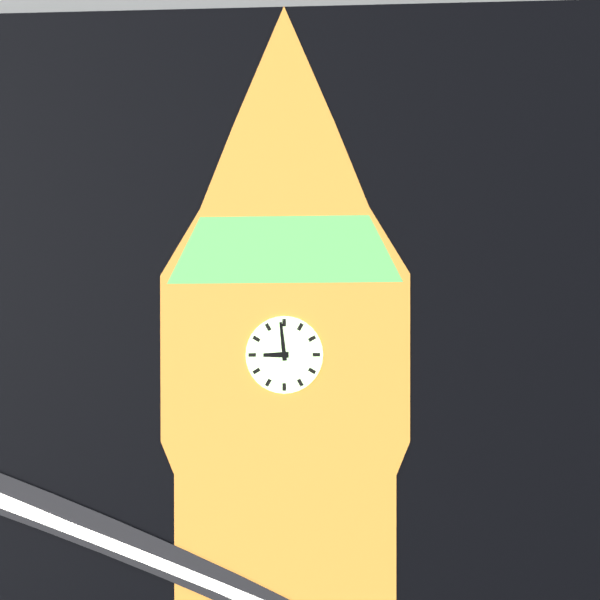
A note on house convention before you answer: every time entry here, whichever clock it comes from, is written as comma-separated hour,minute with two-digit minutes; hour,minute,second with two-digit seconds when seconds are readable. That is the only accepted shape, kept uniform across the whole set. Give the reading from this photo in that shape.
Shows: 8,59
